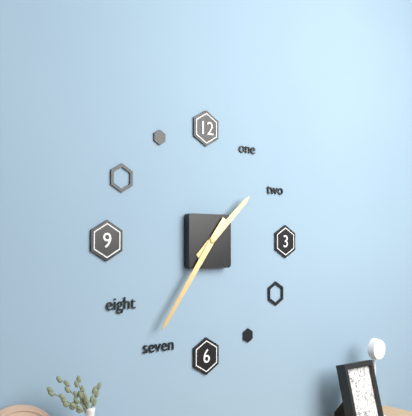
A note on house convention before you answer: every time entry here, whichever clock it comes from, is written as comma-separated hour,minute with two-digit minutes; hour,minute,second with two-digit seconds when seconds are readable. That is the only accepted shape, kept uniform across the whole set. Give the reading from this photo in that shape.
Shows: 1,36
